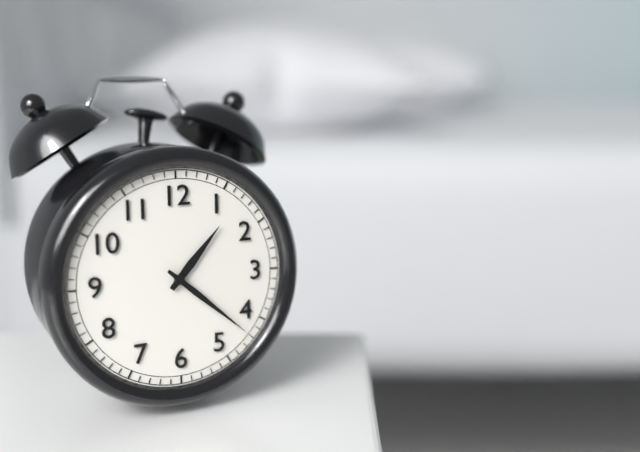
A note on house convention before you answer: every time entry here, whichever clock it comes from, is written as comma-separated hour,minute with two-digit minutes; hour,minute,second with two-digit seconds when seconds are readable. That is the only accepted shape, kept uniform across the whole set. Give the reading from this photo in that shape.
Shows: 1,22
